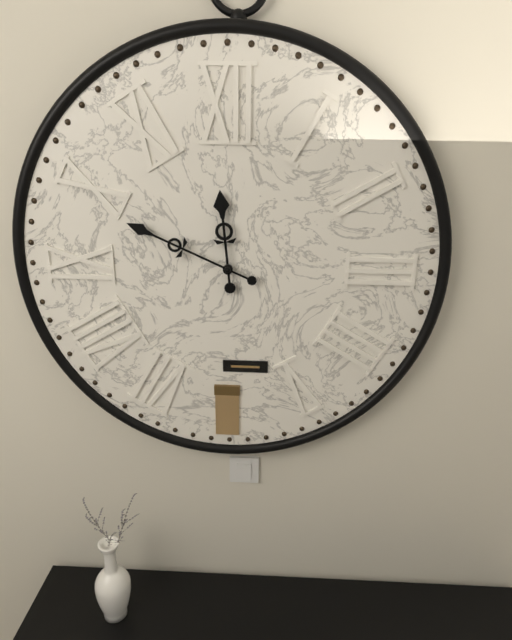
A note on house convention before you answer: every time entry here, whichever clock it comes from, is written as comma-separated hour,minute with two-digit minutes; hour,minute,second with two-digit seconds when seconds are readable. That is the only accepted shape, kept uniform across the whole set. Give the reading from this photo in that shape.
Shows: 11,49
